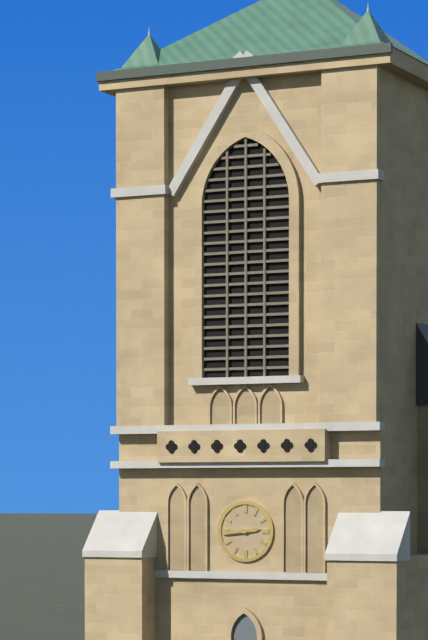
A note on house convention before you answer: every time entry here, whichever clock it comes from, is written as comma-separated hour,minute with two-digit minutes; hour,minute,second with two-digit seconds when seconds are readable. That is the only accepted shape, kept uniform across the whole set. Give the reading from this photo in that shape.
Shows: 2,44
